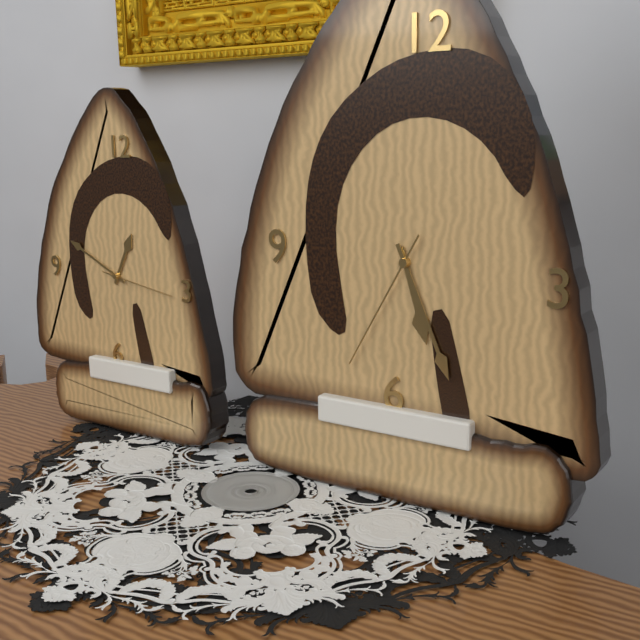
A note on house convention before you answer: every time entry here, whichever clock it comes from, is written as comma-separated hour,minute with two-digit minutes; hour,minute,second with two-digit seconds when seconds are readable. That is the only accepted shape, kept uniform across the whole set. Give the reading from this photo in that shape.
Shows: 5,26,35
